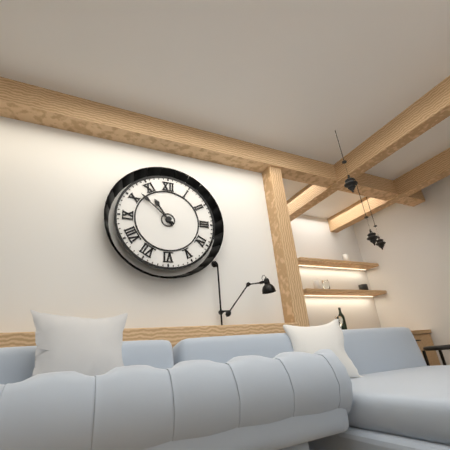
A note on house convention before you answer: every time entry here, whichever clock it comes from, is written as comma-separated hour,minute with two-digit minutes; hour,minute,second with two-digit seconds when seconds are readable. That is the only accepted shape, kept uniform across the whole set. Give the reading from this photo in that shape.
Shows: 10,52
